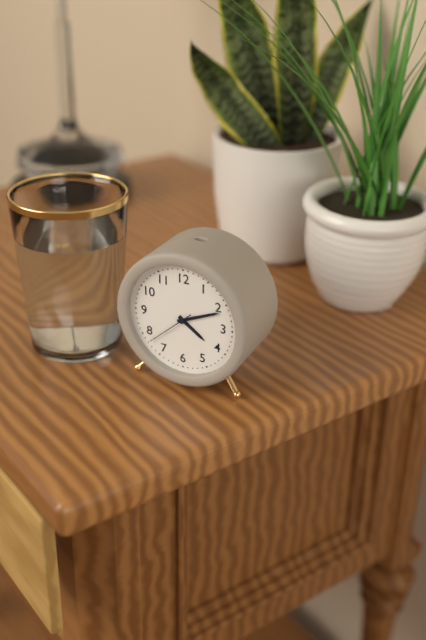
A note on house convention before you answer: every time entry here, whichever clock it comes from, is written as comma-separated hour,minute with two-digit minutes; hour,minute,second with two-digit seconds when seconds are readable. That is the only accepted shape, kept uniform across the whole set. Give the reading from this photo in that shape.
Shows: 4,11
